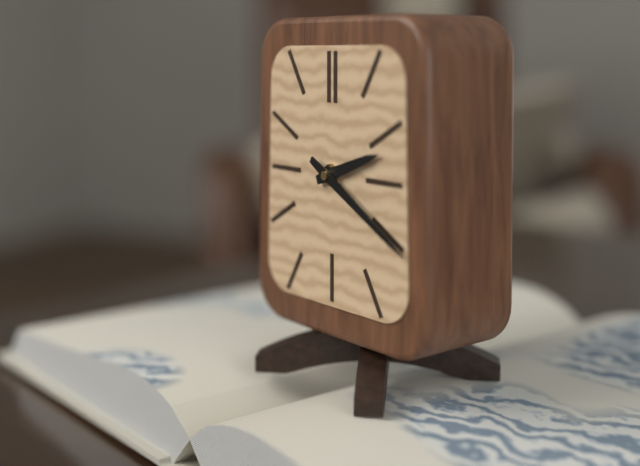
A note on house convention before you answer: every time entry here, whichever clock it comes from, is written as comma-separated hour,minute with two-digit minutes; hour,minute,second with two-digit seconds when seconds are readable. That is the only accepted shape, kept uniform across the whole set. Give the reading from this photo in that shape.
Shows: 2,20
